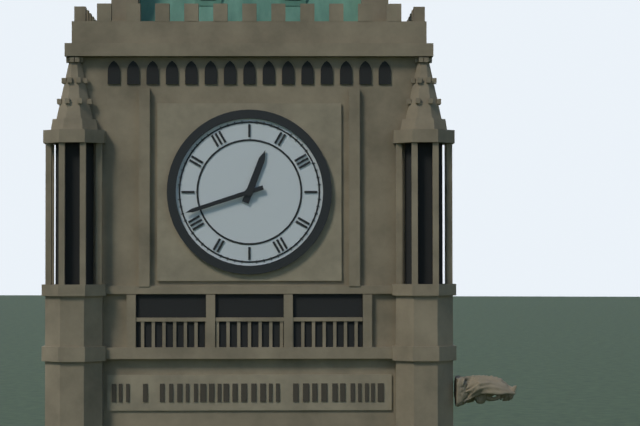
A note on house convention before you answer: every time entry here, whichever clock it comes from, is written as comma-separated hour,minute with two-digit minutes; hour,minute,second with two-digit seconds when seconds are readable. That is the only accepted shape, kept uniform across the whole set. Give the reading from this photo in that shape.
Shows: 12,42
